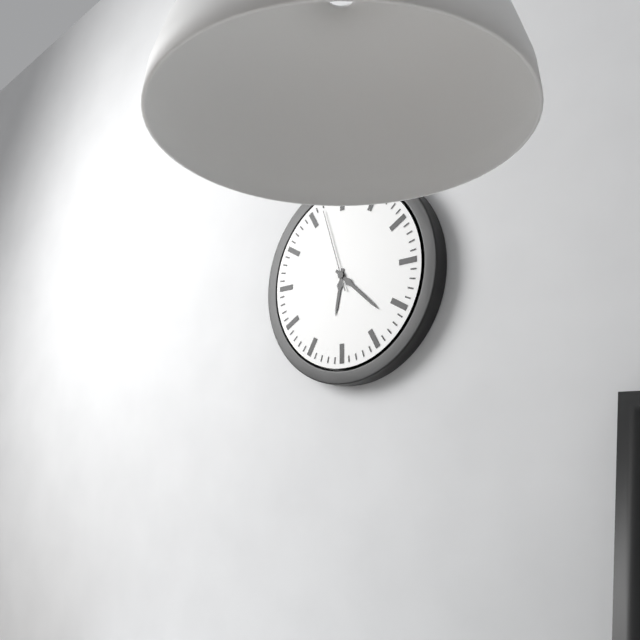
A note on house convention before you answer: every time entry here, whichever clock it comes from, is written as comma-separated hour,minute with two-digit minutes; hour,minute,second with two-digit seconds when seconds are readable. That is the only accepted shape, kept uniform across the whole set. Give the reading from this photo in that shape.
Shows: 6,22,57
